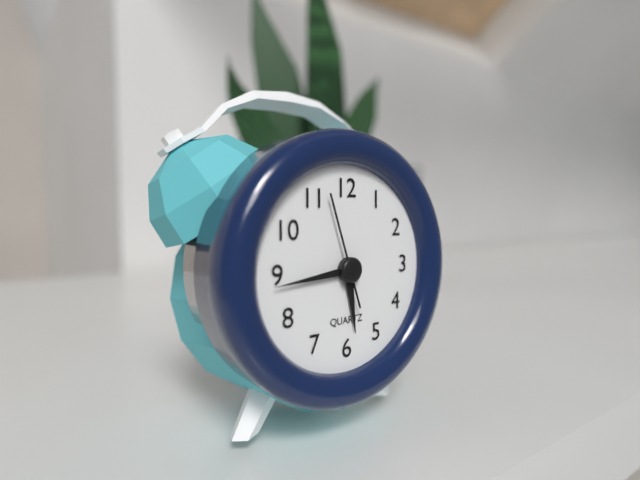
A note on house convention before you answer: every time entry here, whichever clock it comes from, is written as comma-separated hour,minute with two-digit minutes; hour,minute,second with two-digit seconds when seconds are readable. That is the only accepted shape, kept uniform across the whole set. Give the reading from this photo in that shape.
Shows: 5,44,57
